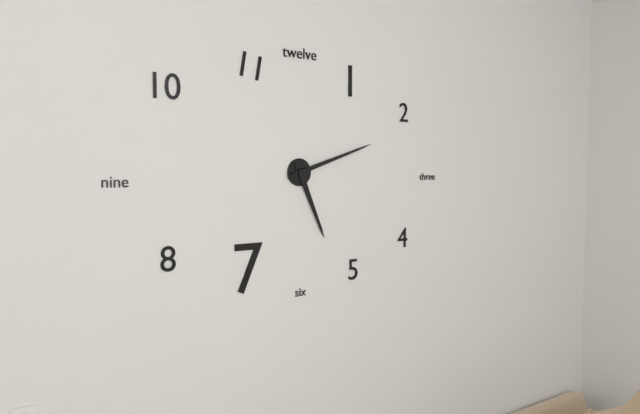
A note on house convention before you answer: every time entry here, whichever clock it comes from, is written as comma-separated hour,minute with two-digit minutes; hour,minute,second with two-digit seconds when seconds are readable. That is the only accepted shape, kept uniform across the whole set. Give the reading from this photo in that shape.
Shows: 5,12
